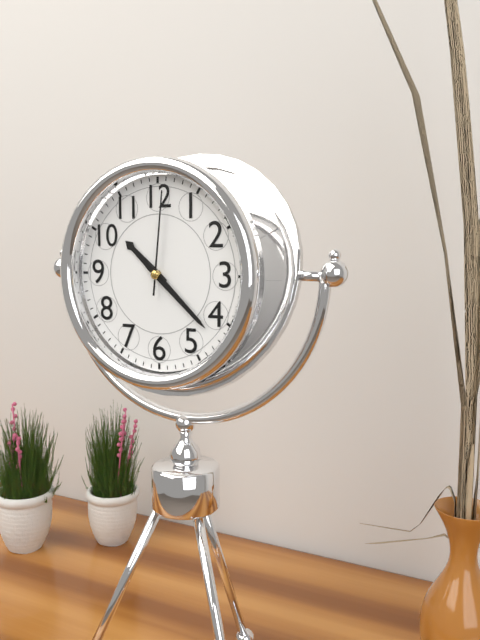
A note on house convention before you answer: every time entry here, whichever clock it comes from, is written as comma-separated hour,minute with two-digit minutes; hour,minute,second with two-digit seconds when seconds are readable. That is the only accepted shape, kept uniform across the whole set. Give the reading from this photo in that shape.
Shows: 10,22,01
